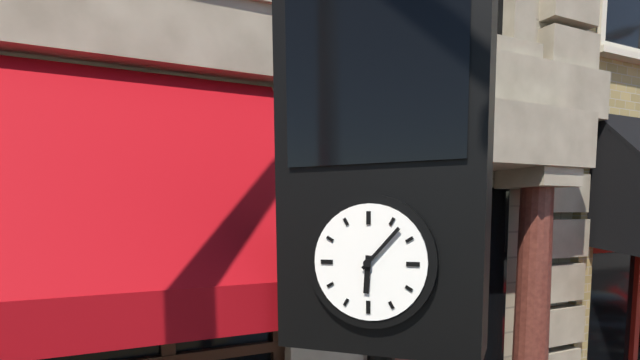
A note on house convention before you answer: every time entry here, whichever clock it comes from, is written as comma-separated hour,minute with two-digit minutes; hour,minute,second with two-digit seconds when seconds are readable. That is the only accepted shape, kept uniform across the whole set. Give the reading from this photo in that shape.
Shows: 6,07
